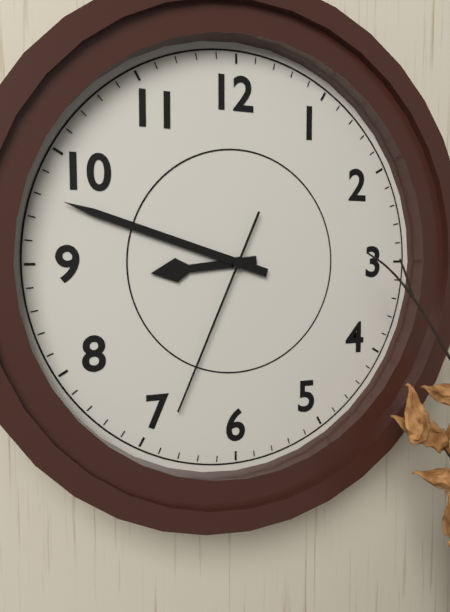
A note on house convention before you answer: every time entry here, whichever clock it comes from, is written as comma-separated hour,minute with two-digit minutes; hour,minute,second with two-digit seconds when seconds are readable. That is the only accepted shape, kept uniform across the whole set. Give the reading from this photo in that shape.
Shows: 8,48,34
